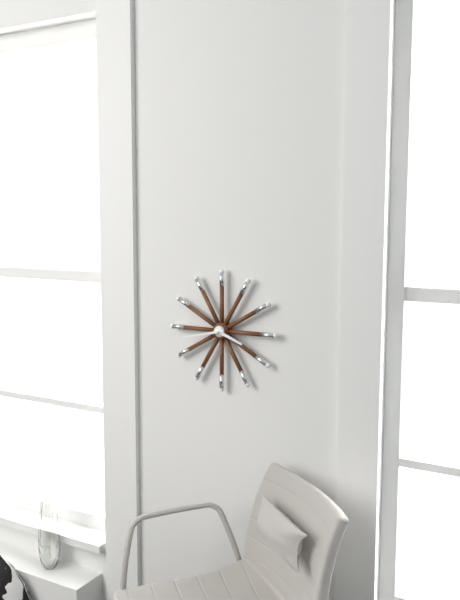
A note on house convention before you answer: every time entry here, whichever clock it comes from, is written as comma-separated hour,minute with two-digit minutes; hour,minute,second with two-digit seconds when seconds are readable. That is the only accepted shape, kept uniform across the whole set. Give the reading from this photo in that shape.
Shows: 3,43
